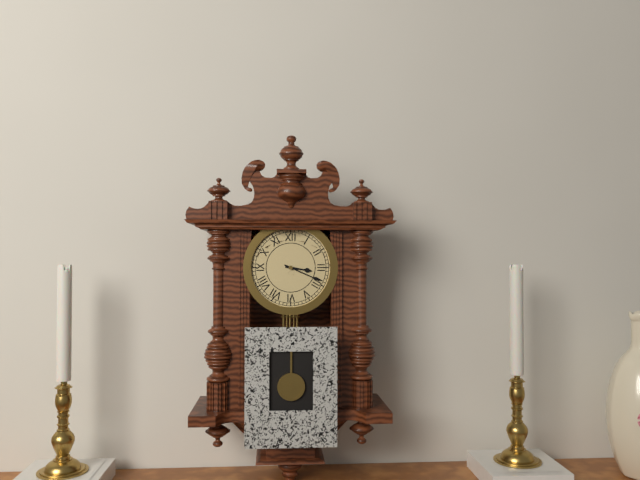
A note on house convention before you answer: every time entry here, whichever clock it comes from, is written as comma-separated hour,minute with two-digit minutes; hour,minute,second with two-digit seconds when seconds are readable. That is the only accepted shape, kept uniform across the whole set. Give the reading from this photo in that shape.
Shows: 3,19
